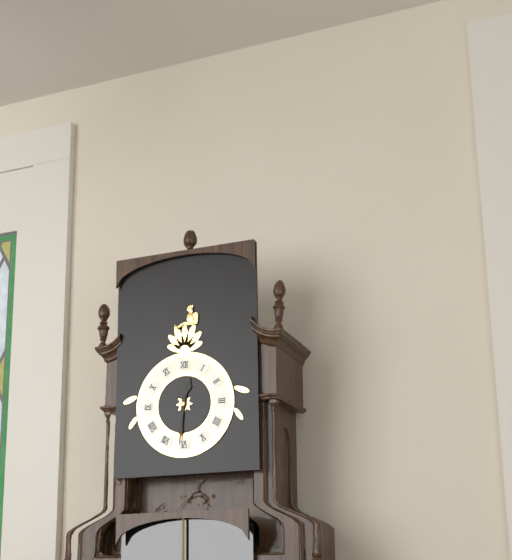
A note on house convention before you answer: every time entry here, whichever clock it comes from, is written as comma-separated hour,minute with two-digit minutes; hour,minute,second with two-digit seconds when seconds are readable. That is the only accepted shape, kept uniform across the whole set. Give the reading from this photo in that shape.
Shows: 12,31
